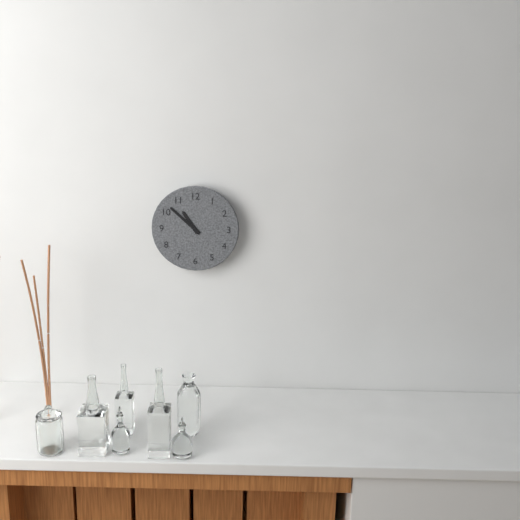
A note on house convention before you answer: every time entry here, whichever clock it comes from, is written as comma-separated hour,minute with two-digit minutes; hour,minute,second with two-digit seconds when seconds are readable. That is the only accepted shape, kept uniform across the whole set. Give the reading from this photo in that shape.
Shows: 10,52
